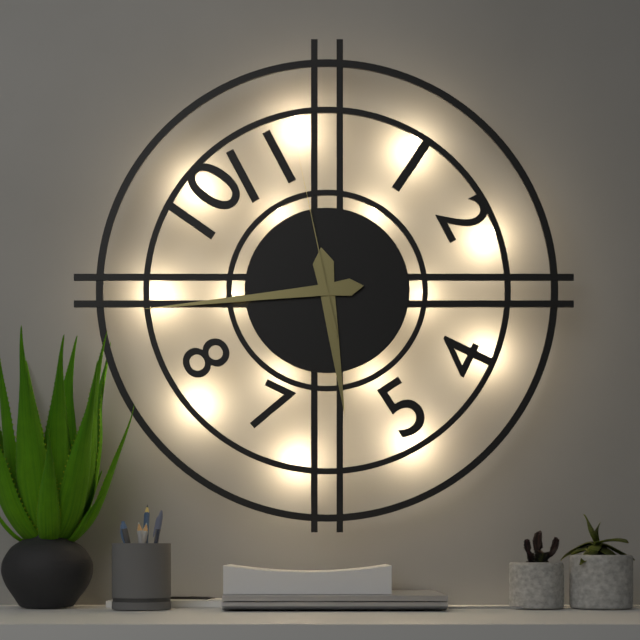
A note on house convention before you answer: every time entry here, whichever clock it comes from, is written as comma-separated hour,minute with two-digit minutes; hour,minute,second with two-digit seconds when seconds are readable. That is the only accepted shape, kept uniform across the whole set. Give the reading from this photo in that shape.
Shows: 5,44,58
